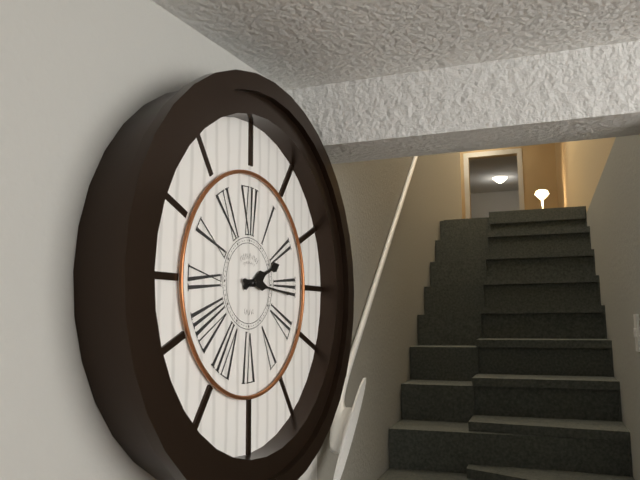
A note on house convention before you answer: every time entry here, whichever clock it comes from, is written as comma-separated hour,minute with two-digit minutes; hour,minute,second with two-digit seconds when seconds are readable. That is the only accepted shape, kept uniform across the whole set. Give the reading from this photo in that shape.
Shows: 2,16
